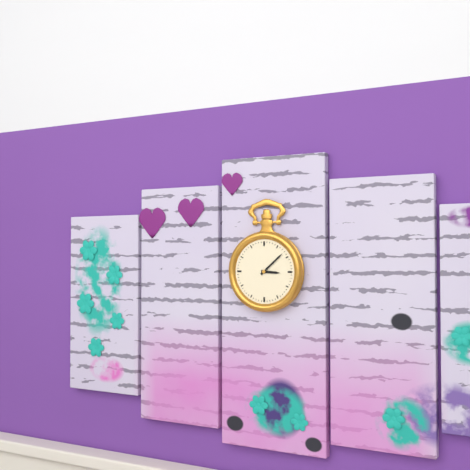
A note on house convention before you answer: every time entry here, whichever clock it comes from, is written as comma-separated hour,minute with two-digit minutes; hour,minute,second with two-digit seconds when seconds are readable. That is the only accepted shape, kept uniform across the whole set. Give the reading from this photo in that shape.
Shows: 3,08
